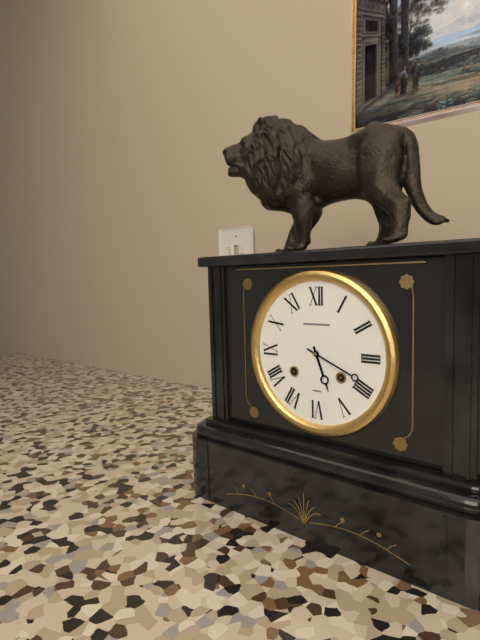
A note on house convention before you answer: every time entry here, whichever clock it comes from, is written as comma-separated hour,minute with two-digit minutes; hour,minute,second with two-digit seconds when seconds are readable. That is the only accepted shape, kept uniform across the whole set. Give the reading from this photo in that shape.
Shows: 5,19
